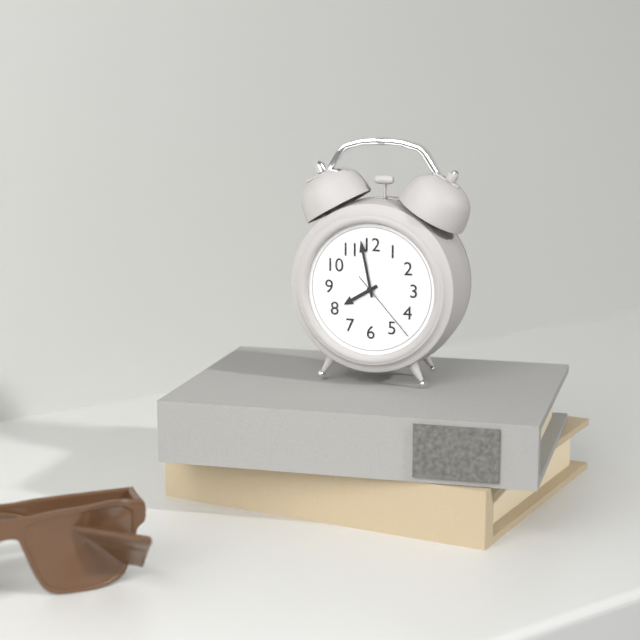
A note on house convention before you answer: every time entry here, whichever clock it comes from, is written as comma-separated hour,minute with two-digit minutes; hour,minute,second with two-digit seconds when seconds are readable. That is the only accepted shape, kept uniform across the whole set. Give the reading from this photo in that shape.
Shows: 7,58,23
